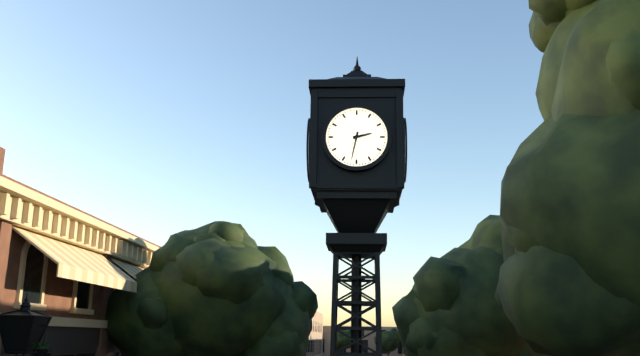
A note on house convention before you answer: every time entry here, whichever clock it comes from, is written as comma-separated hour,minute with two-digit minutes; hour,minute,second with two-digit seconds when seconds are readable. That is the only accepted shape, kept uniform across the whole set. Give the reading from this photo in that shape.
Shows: 2,32
